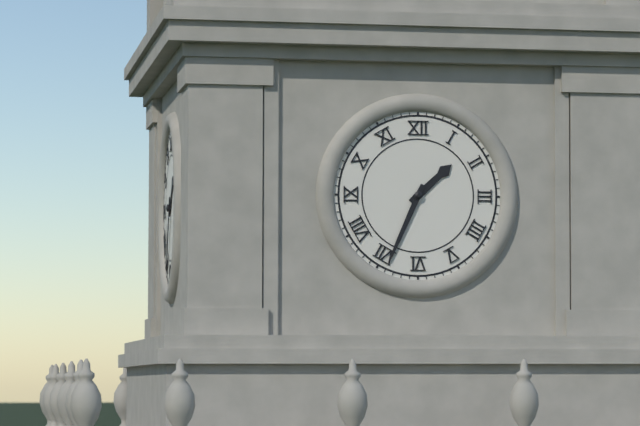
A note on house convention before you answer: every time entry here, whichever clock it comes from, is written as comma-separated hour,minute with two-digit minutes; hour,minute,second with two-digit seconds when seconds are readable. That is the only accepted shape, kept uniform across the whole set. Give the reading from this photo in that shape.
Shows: 1,34
